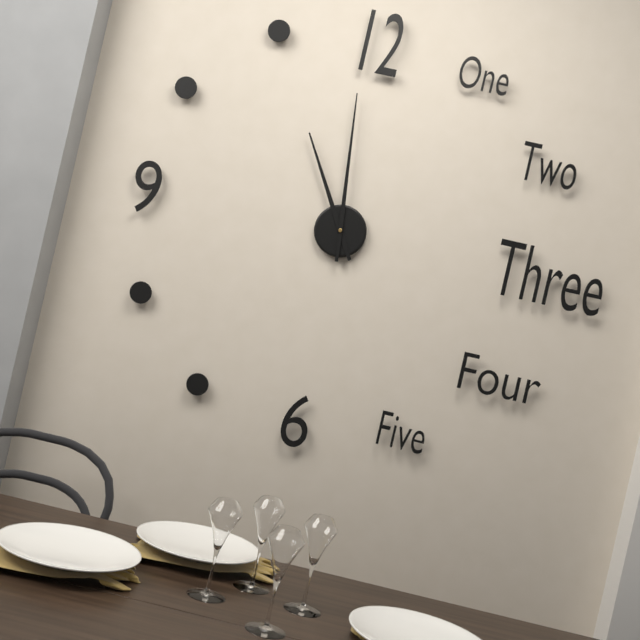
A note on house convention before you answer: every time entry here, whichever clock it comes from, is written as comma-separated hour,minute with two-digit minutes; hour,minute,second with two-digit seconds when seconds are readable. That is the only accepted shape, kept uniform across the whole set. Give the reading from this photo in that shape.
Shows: 10,59
